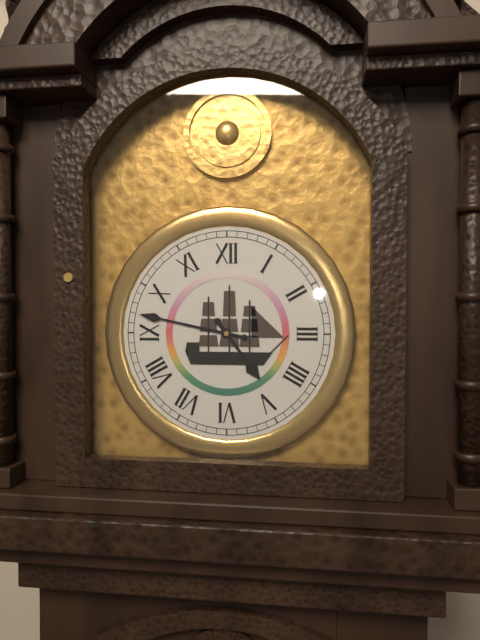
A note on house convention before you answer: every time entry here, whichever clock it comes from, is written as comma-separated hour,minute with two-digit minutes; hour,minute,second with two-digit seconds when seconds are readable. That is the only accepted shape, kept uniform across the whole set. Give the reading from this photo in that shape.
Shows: 4,47
